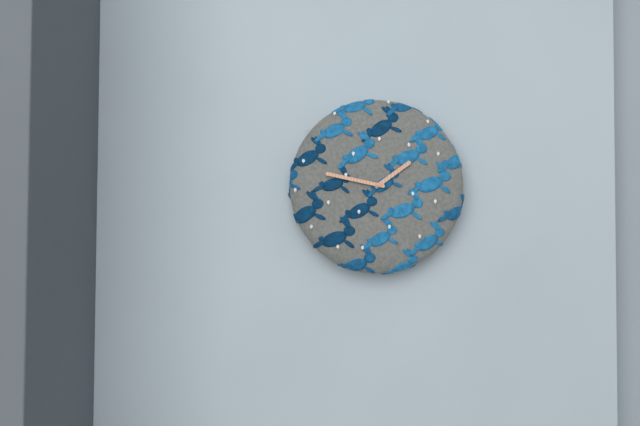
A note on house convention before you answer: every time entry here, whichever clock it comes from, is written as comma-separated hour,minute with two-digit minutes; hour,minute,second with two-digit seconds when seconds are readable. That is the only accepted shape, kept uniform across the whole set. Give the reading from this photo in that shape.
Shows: 1,47
